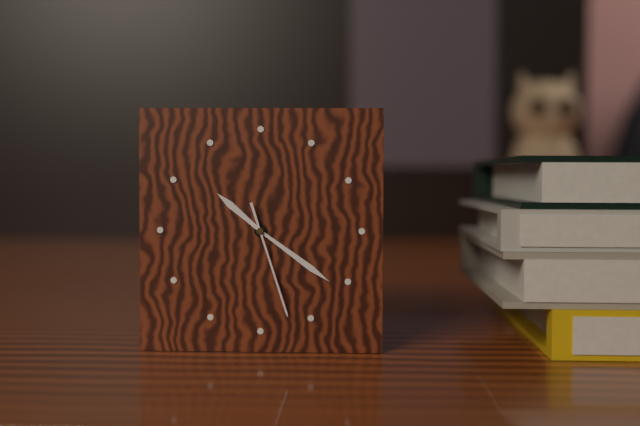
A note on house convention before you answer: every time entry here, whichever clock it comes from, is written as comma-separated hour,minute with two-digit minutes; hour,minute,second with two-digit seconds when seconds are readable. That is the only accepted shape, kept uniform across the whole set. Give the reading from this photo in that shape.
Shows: 10,21,27
